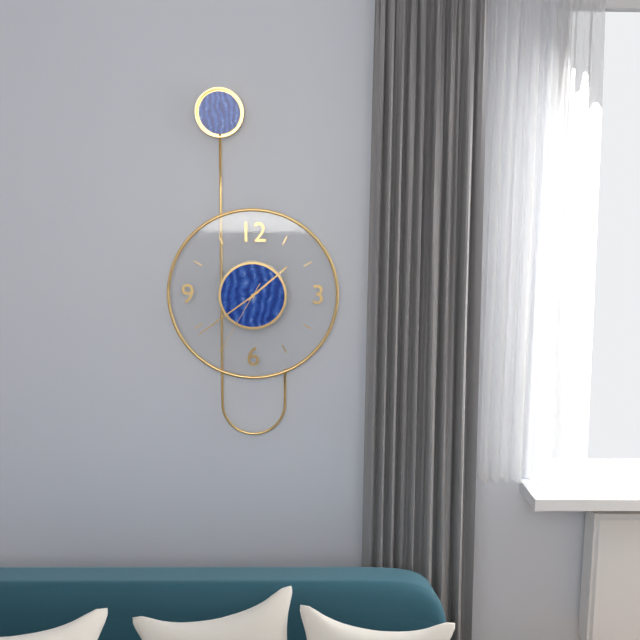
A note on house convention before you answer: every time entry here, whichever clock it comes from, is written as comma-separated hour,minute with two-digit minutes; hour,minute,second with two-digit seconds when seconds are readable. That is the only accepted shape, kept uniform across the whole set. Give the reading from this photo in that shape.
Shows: 1,39,35
